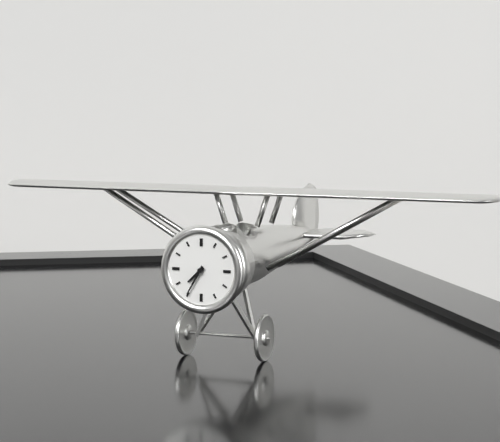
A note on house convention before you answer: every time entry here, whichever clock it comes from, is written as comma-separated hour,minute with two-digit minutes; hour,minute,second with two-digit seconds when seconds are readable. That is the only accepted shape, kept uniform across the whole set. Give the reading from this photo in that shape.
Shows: 7,35
